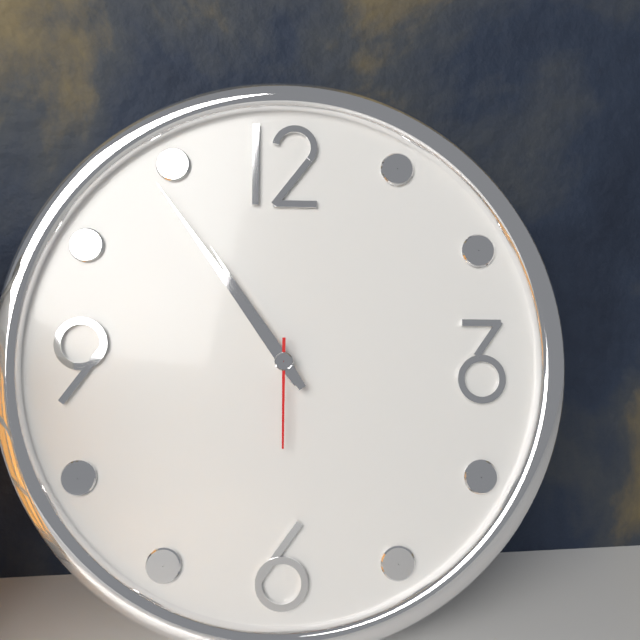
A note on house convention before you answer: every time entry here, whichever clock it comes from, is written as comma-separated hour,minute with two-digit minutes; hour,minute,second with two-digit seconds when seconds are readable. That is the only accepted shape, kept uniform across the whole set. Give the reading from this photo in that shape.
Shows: 10,54,30
